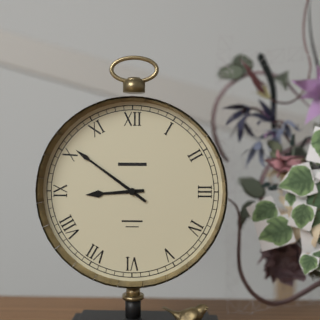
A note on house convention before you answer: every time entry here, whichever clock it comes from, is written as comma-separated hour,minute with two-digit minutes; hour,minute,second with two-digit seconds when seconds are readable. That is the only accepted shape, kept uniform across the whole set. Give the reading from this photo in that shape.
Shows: 8,51
